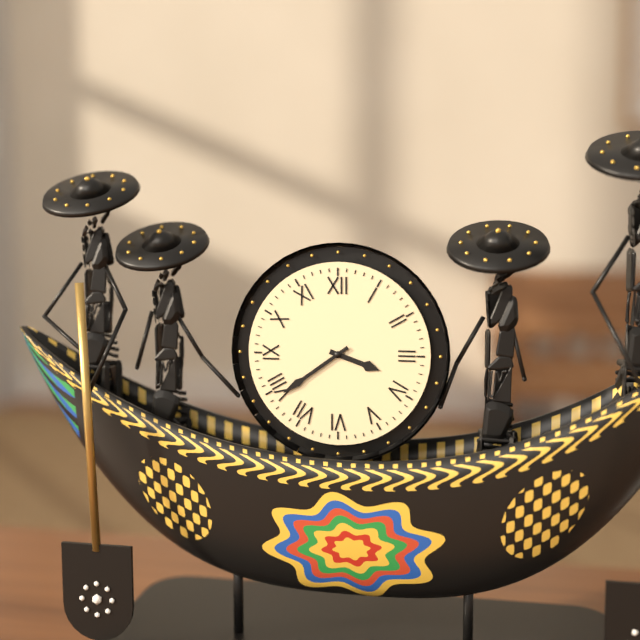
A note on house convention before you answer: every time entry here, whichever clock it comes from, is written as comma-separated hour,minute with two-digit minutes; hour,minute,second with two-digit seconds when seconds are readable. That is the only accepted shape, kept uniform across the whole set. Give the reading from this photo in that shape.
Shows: 3,39
